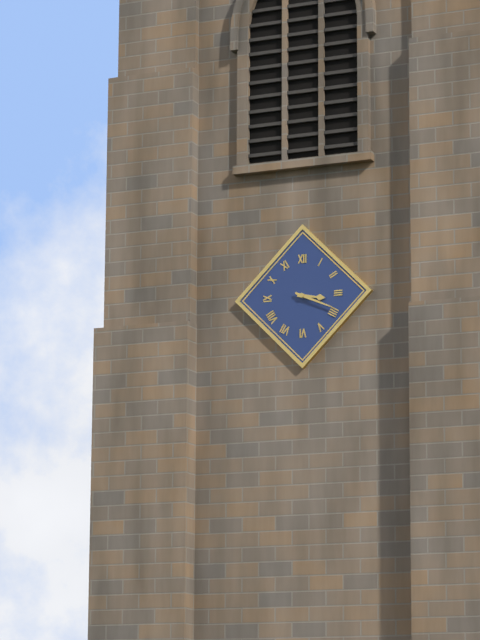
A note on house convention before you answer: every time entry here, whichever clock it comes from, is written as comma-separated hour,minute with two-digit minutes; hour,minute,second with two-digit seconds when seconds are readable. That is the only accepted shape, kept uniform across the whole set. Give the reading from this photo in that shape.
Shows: 3,19
